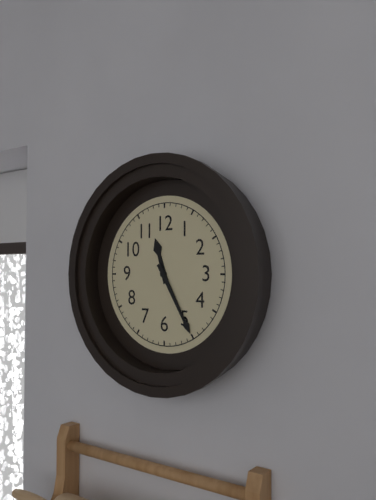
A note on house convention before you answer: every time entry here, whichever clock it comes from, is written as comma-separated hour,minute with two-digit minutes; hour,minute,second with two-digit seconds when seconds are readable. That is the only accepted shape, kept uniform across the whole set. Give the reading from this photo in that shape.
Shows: 11,25
